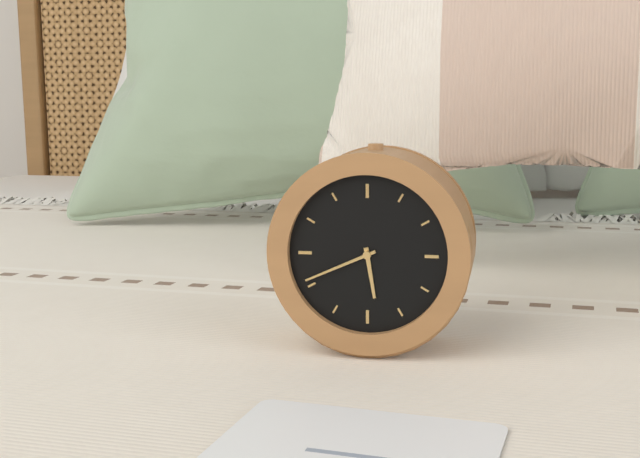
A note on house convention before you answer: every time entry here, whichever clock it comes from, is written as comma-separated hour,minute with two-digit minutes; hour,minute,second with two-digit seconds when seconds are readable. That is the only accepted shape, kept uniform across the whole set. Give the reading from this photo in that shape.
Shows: 5,41
